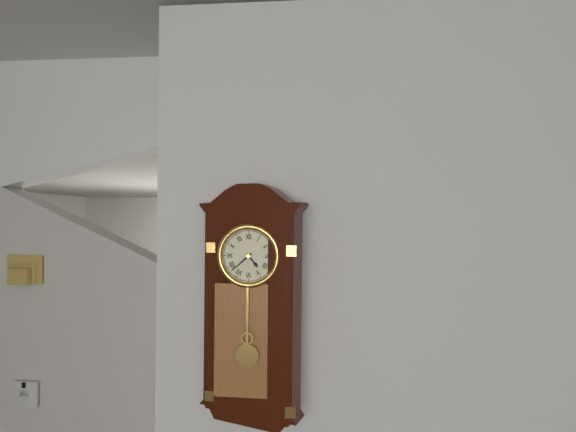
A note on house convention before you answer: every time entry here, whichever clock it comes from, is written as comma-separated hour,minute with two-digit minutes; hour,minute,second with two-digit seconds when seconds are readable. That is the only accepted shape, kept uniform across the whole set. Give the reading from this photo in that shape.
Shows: 4,38
